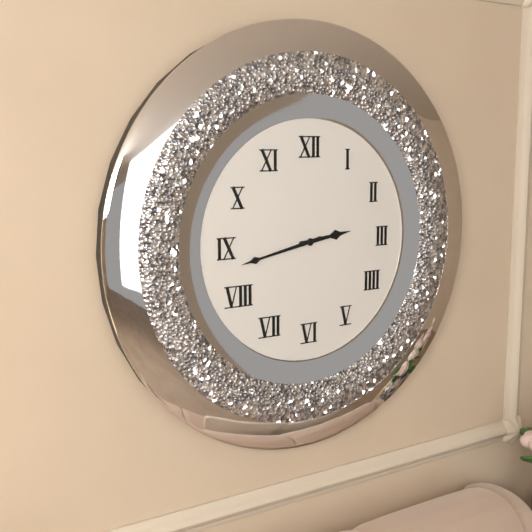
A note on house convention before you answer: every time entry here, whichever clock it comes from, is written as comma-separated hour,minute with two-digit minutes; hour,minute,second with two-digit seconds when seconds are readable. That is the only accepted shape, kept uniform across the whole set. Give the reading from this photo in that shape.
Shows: 2,43
